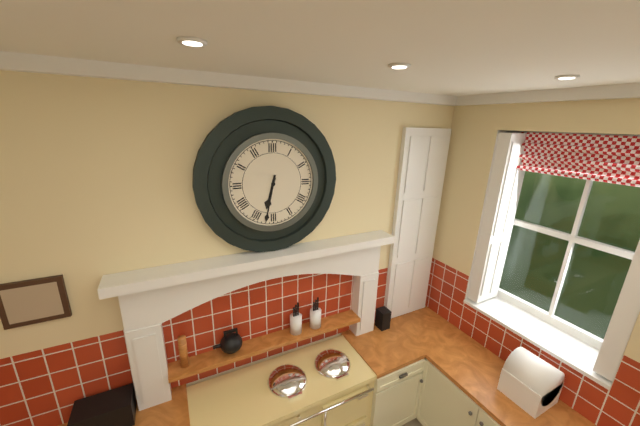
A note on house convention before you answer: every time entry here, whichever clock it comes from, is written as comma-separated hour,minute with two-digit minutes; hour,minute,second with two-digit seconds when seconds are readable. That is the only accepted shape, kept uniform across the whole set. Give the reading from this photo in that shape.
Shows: 6,32
